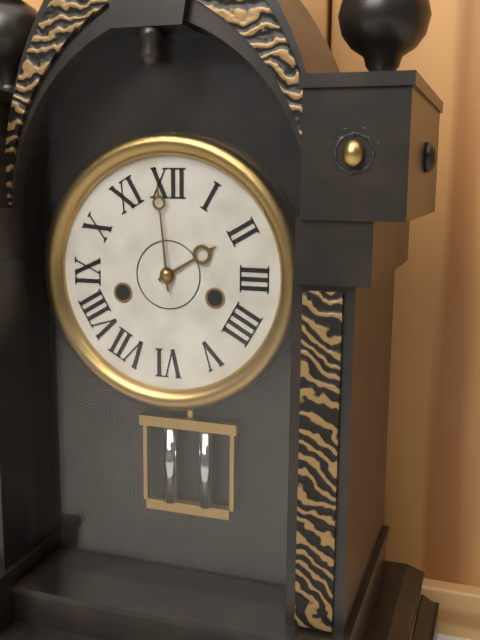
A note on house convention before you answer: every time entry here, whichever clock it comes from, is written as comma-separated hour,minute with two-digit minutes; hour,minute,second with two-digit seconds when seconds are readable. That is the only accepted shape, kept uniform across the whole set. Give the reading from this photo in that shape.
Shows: 1,59
